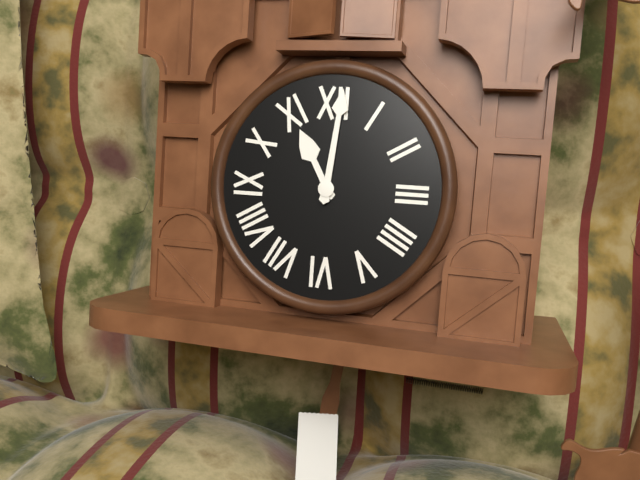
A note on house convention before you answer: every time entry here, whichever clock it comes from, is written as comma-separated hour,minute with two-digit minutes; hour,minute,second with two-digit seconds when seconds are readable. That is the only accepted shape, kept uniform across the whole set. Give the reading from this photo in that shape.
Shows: 11,01
